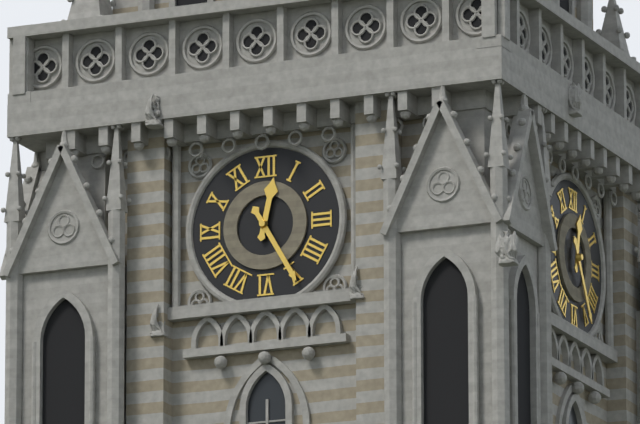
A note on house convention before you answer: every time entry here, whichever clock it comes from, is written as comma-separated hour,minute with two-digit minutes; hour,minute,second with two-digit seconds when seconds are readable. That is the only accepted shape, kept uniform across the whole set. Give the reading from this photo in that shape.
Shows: 12,25
